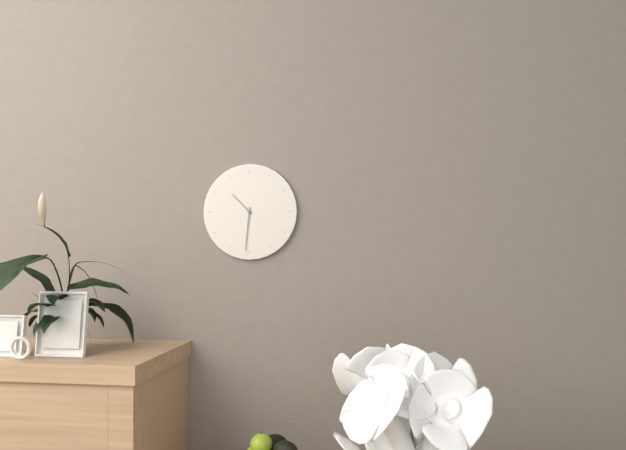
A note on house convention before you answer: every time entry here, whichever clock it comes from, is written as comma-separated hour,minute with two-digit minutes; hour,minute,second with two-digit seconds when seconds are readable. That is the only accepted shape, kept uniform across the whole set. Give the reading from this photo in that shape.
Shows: 10,31
